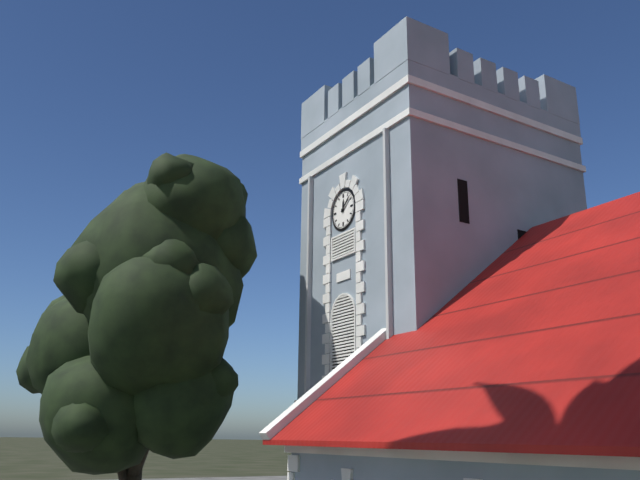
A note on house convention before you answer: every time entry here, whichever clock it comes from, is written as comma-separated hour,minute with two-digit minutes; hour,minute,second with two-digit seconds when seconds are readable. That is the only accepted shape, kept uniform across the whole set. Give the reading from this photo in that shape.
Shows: 12,08
